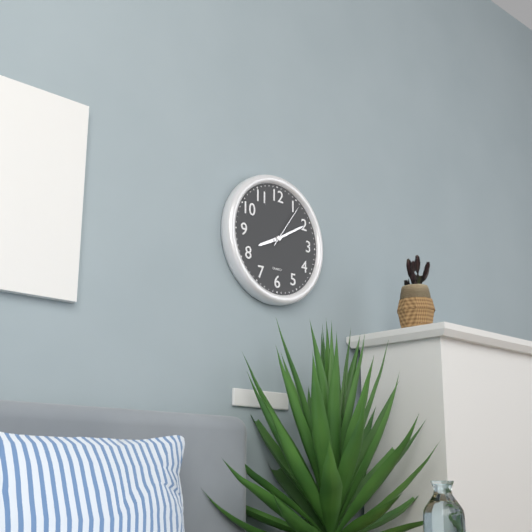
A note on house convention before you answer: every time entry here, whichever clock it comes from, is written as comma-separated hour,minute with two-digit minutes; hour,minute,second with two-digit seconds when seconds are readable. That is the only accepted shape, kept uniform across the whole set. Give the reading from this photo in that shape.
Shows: 8,10
